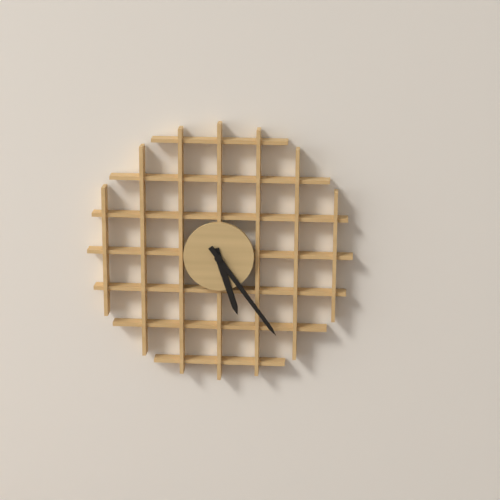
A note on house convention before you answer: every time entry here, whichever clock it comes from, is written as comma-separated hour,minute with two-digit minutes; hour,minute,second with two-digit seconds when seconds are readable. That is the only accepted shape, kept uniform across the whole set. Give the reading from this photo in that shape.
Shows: 5,24
